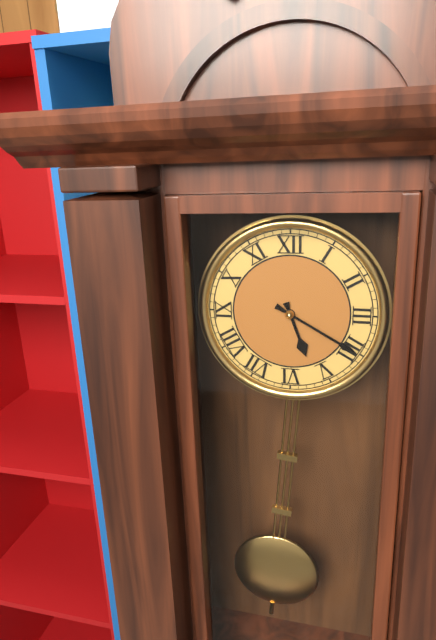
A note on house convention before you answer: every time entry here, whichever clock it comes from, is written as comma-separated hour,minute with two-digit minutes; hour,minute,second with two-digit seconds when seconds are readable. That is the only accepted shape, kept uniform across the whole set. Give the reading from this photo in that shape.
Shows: 5,20
